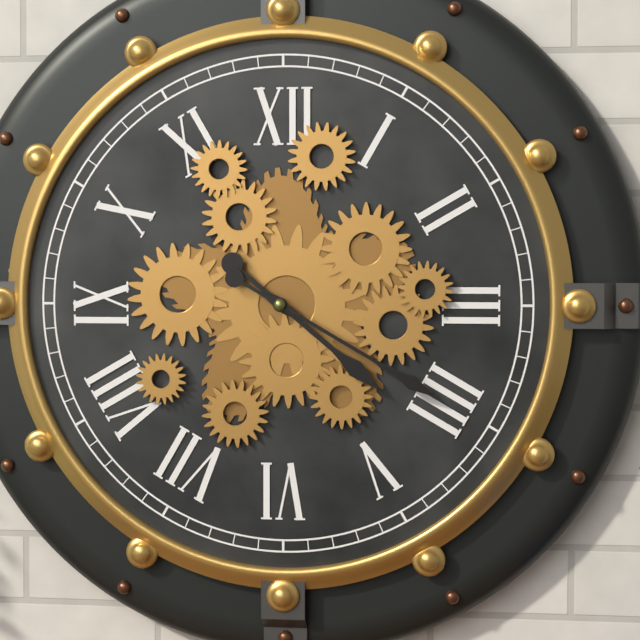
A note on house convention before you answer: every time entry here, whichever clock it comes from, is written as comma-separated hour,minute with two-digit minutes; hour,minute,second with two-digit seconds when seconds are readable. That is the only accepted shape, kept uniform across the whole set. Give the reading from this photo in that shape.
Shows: 4,20
